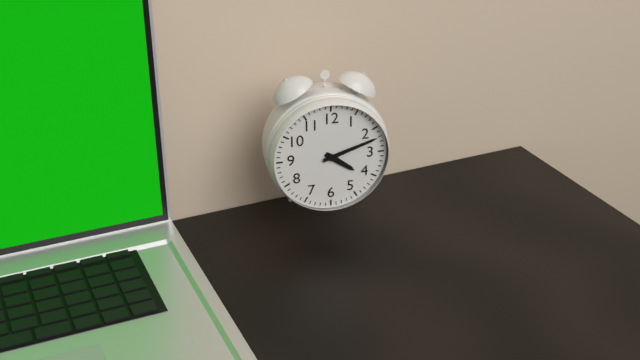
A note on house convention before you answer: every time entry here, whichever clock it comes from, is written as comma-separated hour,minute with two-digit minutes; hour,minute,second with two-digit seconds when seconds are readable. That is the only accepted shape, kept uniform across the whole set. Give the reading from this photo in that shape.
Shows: 4,12
